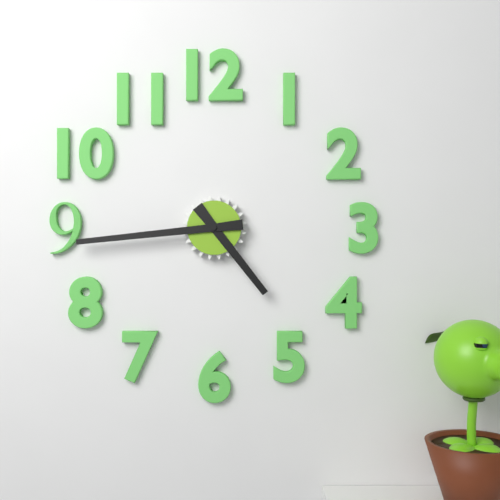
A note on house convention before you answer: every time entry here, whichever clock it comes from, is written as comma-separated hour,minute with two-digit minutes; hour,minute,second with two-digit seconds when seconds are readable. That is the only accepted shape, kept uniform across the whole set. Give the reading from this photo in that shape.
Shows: 4,44
